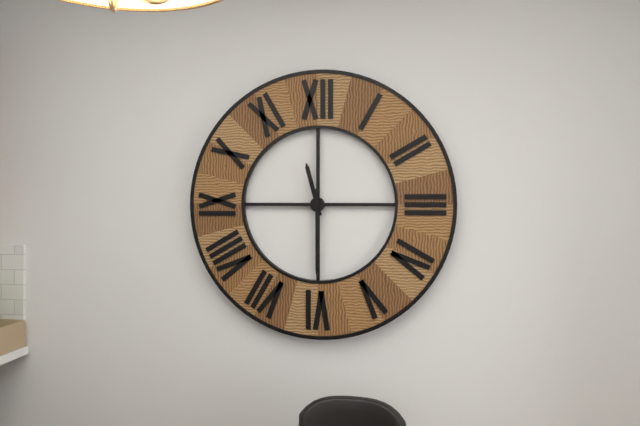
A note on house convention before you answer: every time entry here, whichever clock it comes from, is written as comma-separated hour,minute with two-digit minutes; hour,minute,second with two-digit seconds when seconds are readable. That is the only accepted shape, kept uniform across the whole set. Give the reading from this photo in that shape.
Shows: 11,30
